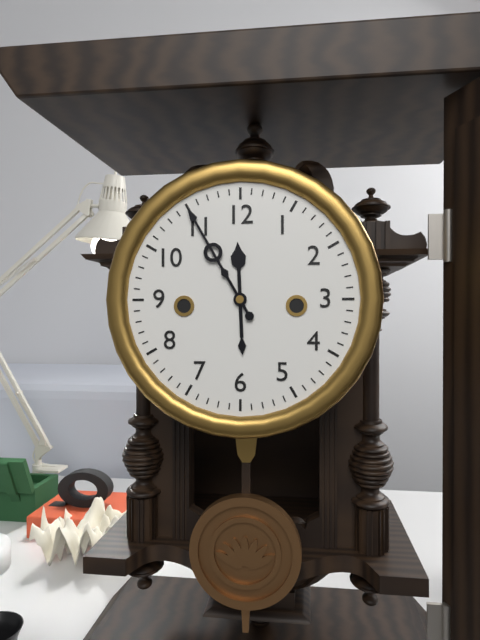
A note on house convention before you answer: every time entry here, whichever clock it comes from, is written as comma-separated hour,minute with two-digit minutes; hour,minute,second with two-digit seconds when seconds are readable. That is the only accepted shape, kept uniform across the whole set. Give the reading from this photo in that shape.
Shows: 11,55
